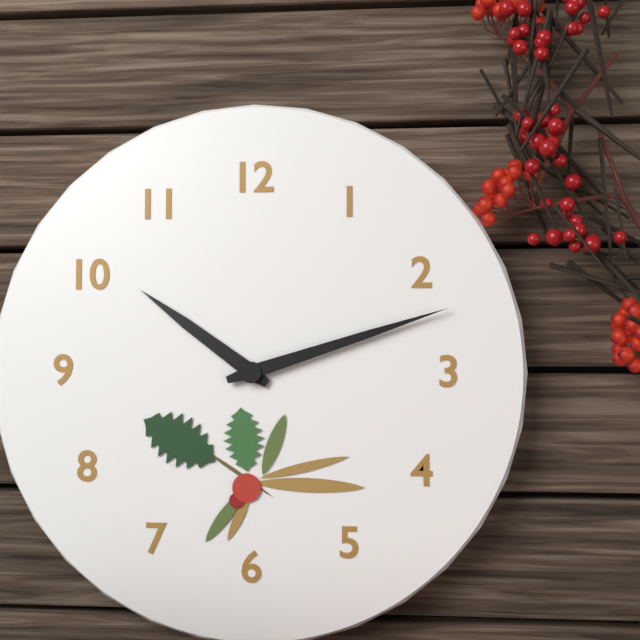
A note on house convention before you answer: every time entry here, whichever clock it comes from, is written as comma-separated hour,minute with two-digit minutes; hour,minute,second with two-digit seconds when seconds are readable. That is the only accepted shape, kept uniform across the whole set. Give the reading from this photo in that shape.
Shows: 10,12
